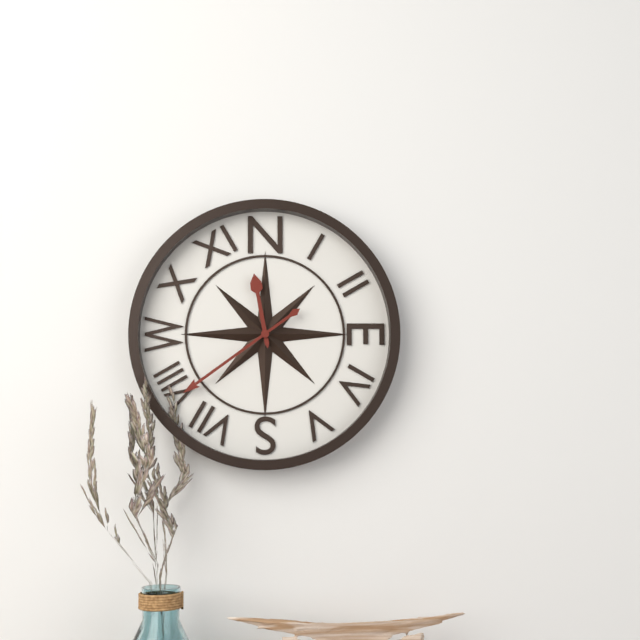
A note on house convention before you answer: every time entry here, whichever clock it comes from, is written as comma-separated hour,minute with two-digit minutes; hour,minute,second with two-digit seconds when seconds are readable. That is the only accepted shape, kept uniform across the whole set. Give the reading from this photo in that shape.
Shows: 11,39
